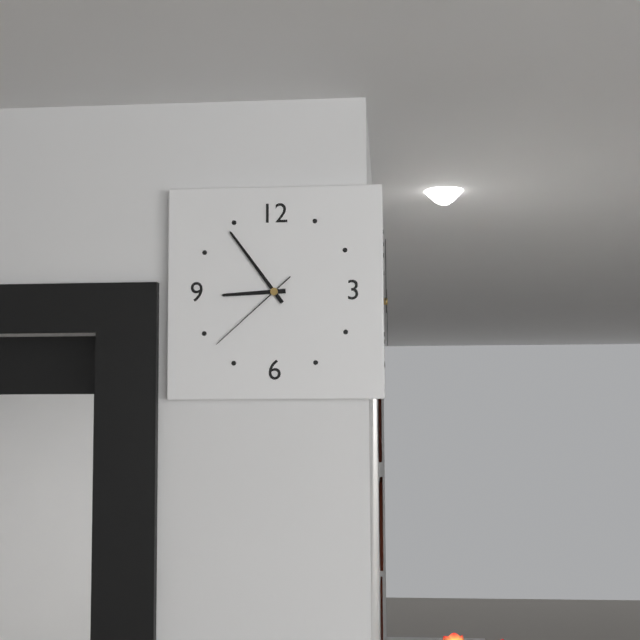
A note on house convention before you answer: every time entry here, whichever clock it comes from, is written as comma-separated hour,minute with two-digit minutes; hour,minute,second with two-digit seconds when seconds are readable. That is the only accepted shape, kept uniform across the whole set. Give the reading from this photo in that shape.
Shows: 8,54,38
